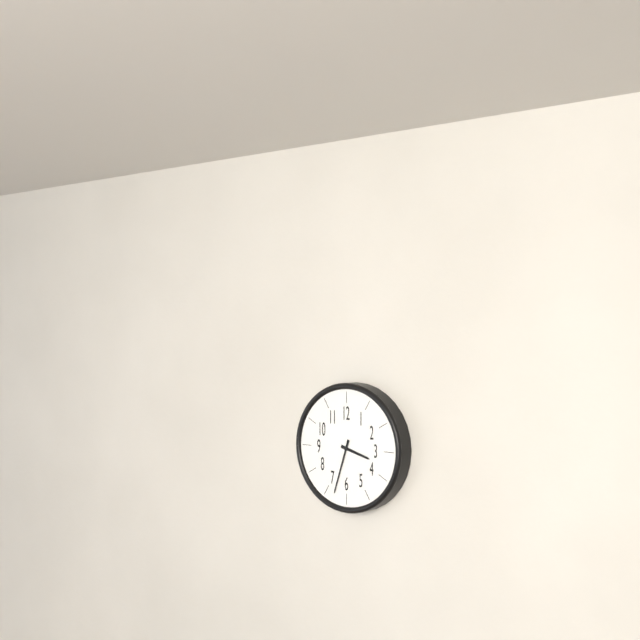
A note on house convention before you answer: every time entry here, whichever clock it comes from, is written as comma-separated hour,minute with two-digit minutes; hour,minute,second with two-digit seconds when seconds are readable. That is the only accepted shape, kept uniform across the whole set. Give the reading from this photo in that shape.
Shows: 3,33
